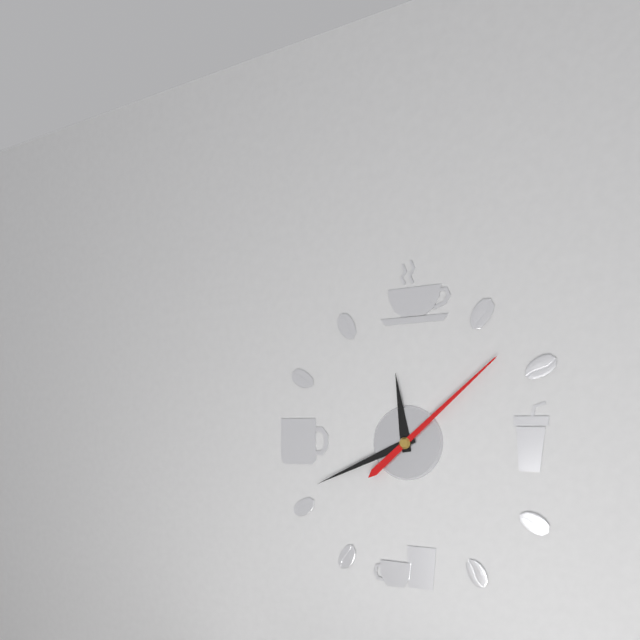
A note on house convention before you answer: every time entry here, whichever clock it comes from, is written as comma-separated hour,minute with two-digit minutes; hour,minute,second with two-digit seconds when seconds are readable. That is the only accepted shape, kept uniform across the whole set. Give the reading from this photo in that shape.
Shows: 11,41,08
